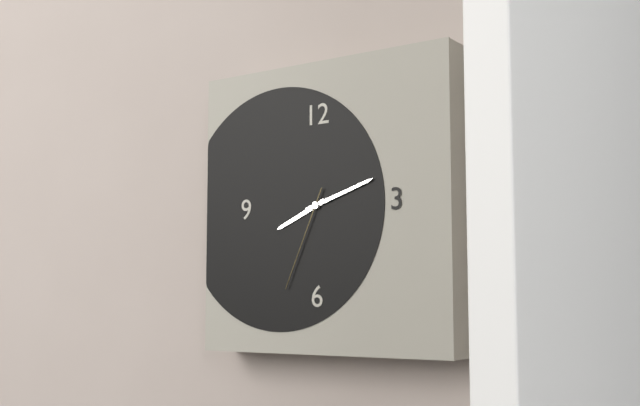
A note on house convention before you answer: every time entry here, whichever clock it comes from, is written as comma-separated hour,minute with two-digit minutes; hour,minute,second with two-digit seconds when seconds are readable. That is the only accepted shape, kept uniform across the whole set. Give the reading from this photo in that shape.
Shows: 8,12,34
